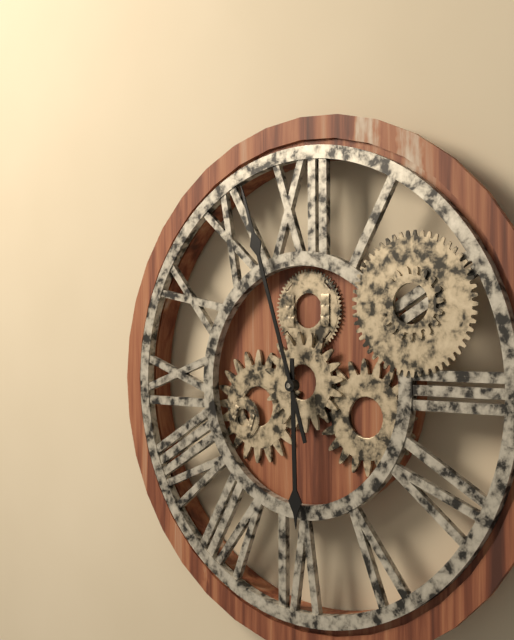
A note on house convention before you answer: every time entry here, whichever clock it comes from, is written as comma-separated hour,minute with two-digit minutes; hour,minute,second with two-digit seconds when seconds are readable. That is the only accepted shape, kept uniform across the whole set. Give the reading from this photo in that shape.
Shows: 5,57
